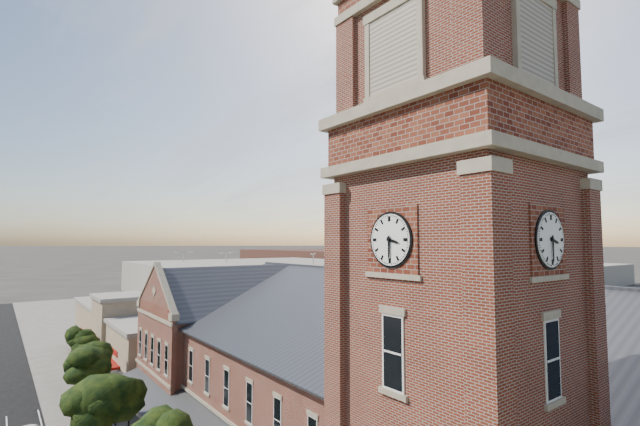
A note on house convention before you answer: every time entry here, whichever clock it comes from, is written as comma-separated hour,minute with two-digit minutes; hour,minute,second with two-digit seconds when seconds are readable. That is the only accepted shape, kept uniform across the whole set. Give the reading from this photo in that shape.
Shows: 3,30
